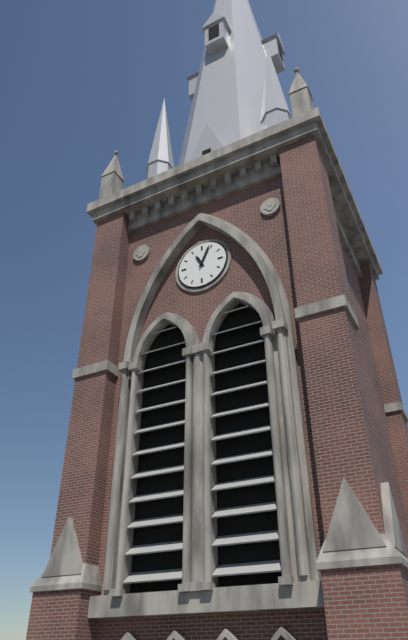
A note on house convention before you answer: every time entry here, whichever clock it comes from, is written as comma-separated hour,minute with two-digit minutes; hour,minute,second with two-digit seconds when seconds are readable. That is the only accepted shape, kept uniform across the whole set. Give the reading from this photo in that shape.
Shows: 11,04
